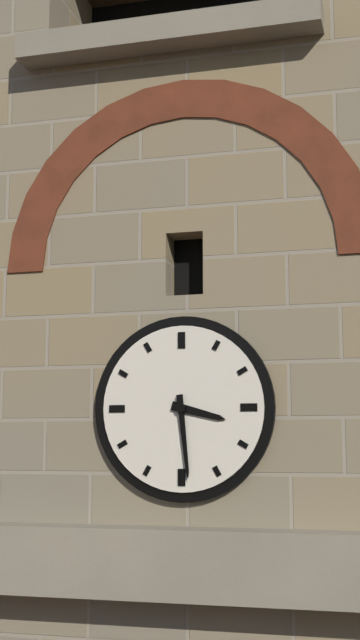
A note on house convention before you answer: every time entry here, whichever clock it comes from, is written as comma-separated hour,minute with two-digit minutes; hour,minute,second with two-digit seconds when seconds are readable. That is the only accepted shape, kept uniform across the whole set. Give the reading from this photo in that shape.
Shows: 3,29
